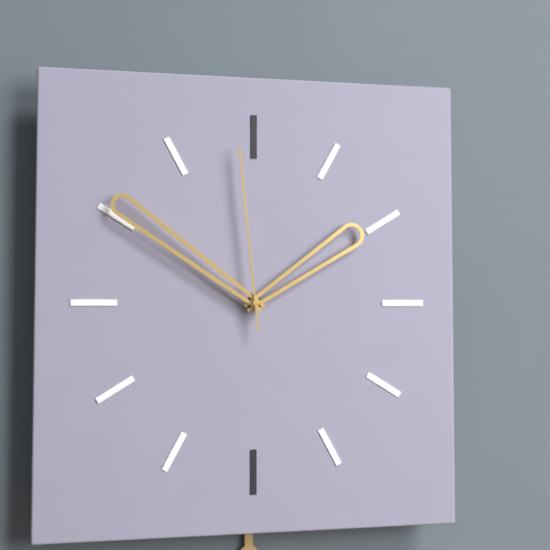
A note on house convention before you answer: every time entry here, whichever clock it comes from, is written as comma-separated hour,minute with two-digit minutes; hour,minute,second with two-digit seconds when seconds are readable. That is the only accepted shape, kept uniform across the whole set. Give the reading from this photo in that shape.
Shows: 1,51,59
